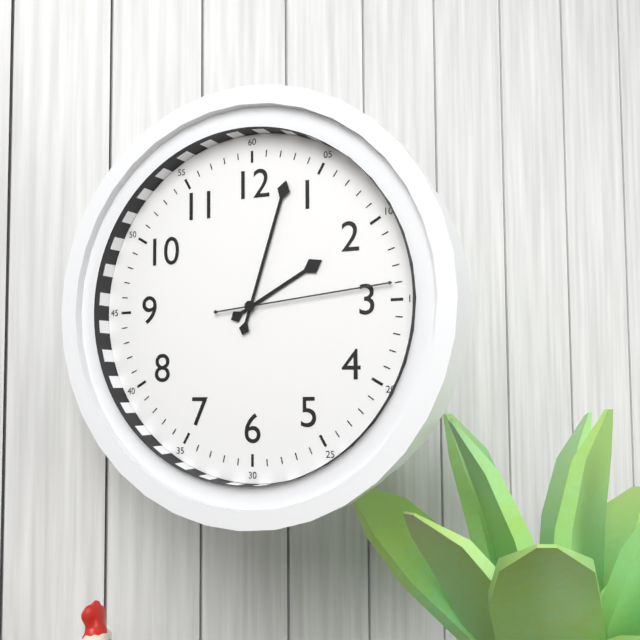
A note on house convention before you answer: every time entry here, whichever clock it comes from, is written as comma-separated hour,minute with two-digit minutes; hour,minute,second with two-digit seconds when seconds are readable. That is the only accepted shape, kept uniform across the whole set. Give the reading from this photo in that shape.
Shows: 2,03,14
